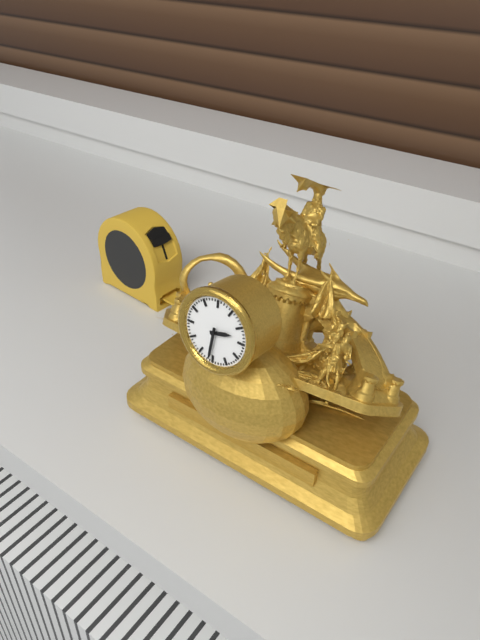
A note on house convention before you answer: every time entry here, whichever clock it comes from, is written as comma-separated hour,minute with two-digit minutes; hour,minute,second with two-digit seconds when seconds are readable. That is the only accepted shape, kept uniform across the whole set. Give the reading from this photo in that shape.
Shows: 2,31
